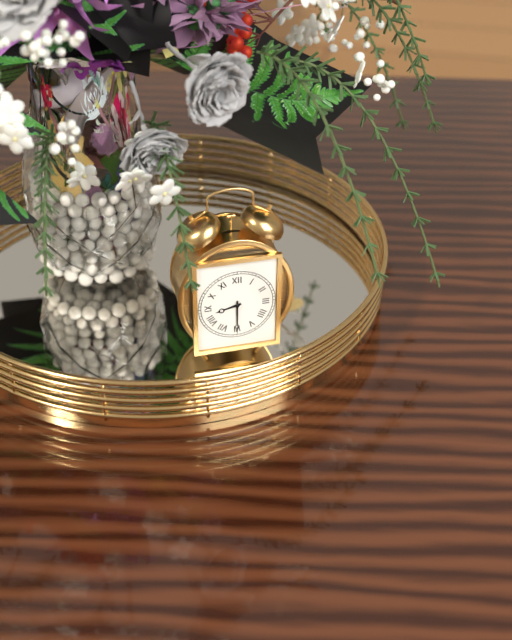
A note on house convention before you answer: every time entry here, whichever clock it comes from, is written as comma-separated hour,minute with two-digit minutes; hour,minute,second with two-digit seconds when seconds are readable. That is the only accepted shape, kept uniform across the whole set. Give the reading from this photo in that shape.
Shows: 8,30
